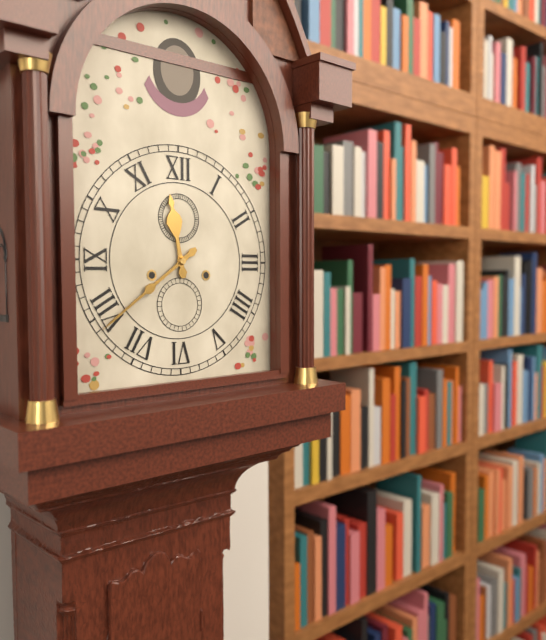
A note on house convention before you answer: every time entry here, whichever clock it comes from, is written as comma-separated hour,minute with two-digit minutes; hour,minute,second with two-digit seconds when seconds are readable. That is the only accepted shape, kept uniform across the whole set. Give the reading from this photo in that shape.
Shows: 11,39
